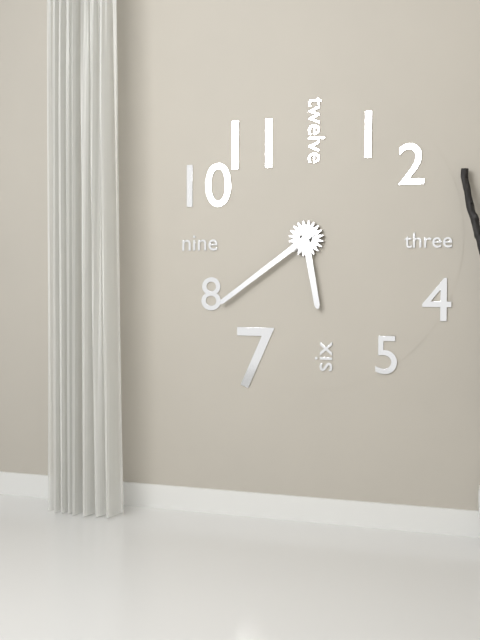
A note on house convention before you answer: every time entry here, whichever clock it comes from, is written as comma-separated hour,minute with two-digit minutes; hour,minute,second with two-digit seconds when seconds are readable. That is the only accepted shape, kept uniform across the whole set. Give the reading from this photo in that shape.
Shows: 5,39
